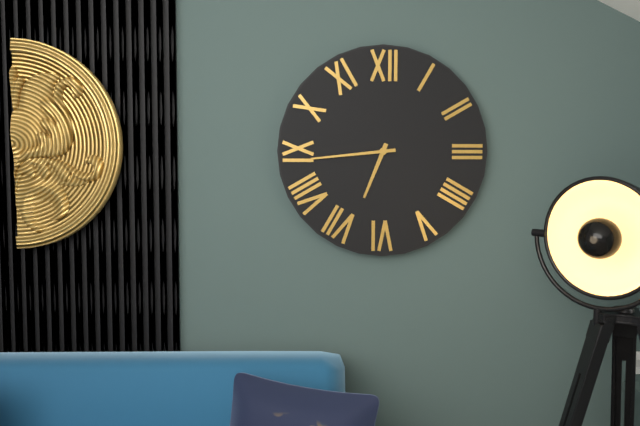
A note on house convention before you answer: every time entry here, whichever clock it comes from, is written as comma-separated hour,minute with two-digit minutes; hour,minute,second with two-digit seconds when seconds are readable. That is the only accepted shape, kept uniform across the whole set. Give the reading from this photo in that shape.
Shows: 6,44
